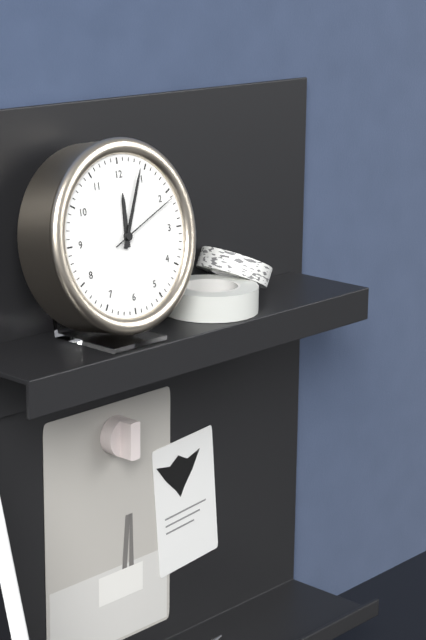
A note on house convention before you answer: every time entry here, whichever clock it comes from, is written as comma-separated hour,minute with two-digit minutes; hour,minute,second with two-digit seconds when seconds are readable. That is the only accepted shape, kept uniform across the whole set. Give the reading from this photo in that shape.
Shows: 12,04,11
